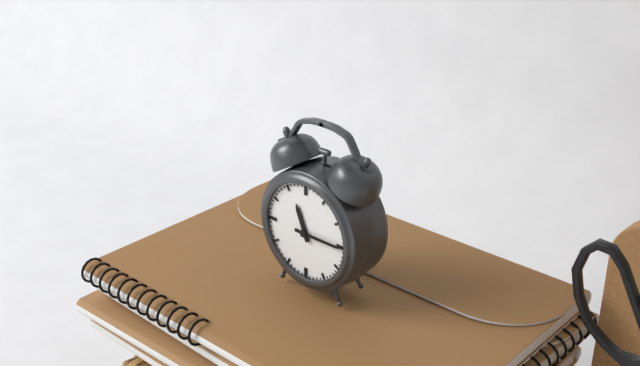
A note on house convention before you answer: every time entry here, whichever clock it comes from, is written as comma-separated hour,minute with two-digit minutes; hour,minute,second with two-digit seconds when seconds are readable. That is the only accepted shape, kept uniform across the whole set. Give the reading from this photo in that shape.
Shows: 11,15
